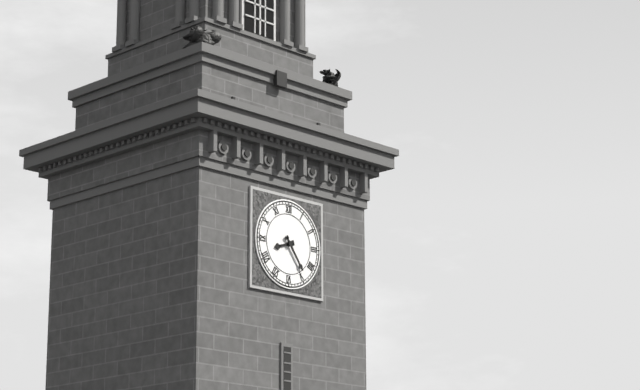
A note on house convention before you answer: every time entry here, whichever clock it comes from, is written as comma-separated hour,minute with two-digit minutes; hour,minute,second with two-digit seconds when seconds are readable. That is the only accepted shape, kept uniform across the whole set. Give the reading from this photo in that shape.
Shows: 8,24
